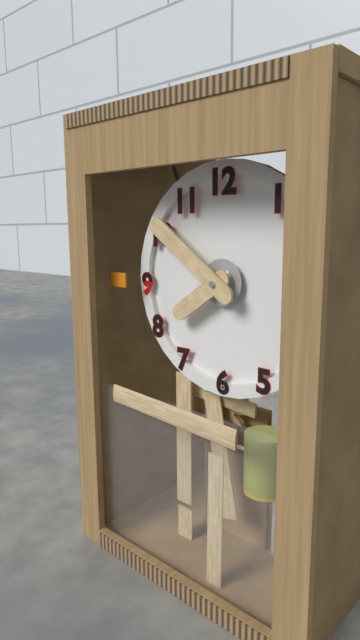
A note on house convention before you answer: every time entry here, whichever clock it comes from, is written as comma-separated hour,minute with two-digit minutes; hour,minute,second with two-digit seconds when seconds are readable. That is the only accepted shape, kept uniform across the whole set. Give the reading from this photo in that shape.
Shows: 7,51
